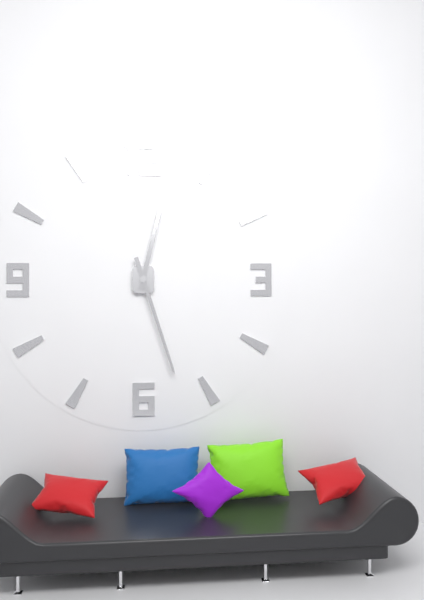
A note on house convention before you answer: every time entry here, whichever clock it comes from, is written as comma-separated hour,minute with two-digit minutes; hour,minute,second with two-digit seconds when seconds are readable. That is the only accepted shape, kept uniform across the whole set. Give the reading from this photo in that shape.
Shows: 12,27
